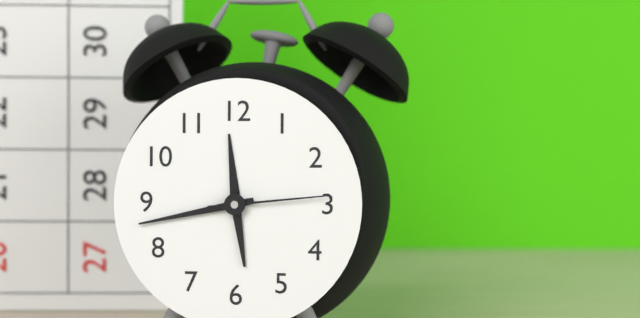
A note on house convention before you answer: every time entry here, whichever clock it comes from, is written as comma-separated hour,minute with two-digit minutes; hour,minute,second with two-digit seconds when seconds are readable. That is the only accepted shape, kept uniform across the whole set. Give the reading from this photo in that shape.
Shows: 5,43,14
